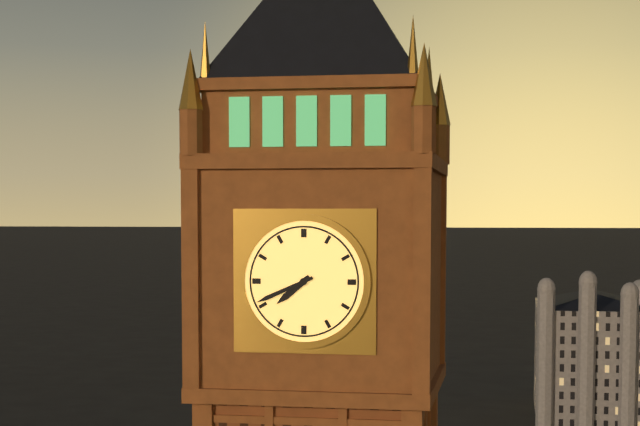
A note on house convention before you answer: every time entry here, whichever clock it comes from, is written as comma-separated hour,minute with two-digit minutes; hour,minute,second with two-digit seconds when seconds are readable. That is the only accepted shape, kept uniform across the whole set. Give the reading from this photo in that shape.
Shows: 7,41
